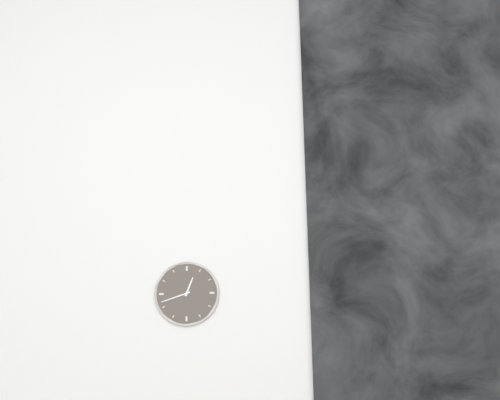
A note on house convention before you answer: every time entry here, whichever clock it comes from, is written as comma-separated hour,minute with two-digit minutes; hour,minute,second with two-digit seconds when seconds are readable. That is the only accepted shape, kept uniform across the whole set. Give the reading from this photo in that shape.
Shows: 12,42
